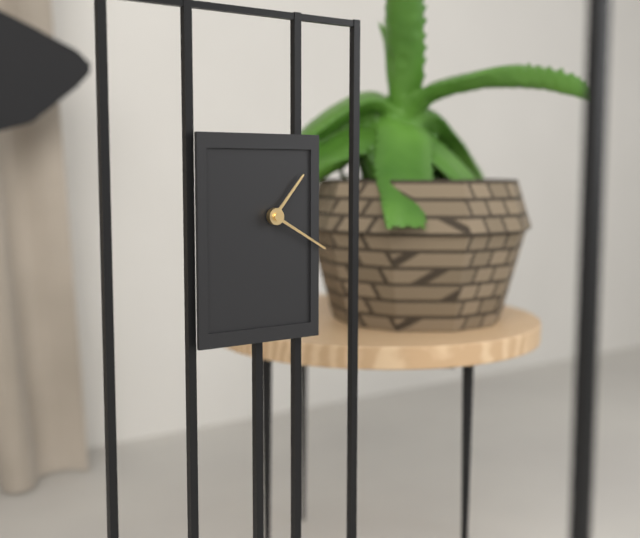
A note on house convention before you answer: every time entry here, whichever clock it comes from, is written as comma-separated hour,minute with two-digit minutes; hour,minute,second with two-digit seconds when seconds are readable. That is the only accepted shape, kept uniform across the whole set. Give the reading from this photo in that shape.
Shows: 1,20
